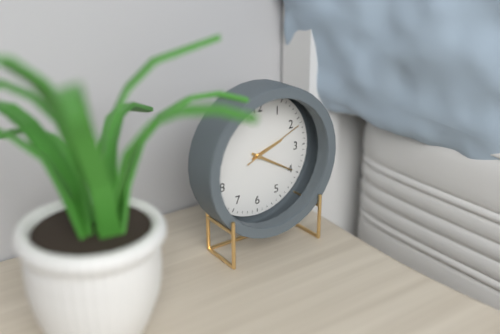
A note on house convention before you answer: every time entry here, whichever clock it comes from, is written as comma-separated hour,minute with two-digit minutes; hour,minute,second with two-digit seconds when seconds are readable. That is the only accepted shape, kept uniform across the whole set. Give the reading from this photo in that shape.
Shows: 2,20,11
